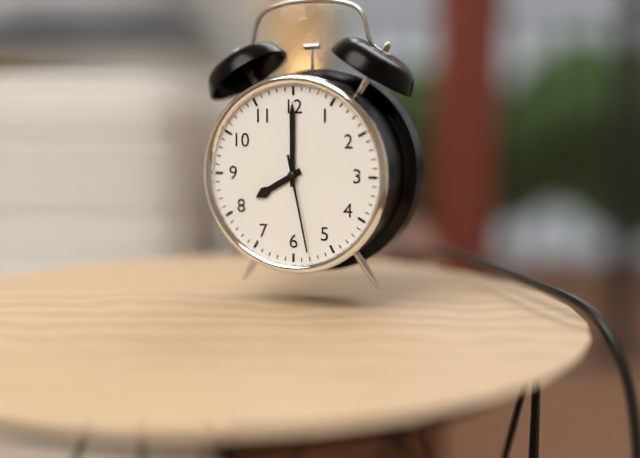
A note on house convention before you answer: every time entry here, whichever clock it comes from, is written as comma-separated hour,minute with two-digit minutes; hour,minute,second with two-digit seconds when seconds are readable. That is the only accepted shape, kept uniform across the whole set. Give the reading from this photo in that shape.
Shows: 8,00,28
